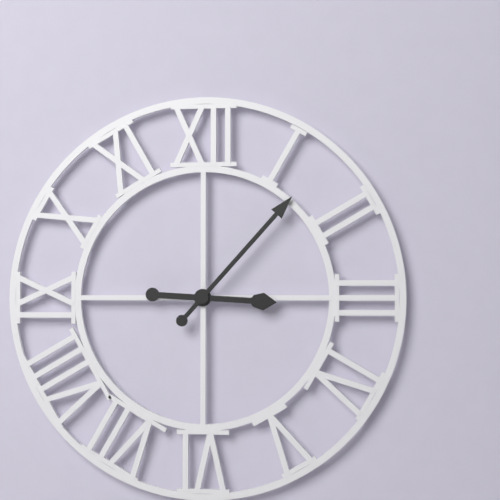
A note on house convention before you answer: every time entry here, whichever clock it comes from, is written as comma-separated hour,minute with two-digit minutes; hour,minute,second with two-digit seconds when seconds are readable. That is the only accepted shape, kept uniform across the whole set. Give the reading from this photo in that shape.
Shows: 3,07
